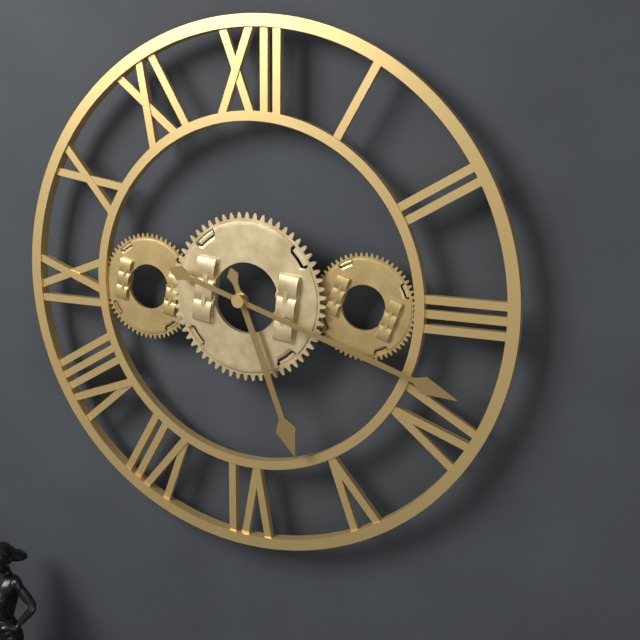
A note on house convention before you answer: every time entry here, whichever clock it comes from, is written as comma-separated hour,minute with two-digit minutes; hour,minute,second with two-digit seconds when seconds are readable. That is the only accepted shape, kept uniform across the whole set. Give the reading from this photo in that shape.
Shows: 5,18
